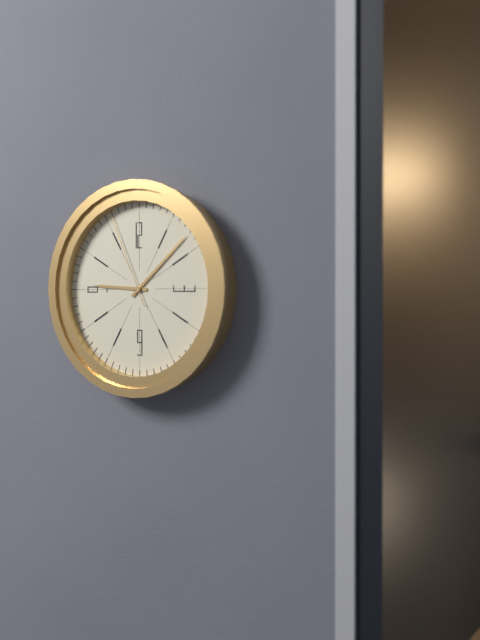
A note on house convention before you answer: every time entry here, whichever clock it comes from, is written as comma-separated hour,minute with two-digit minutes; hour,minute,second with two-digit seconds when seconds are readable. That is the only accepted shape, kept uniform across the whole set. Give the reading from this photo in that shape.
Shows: 9,08,56
